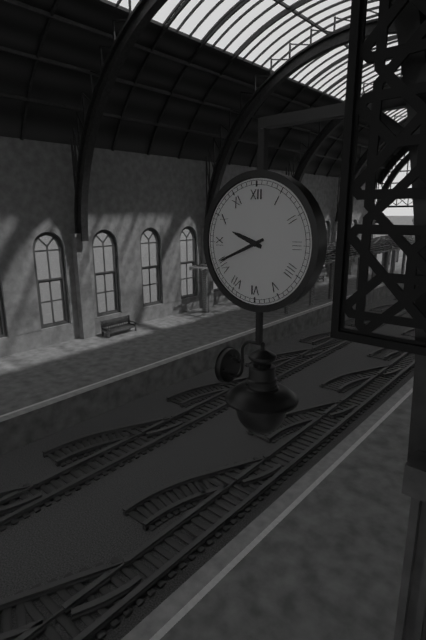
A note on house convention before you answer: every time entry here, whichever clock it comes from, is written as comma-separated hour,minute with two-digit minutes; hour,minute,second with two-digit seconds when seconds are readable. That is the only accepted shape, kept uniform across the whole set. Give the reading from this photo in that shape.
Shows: 9,41
